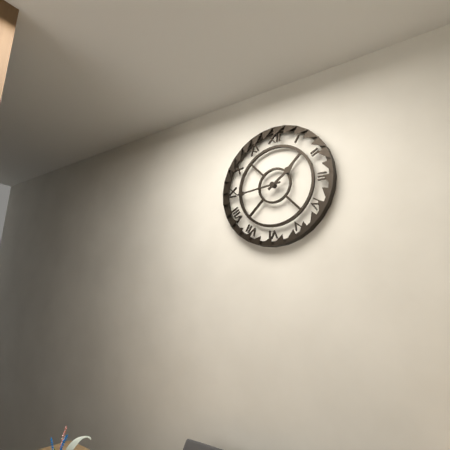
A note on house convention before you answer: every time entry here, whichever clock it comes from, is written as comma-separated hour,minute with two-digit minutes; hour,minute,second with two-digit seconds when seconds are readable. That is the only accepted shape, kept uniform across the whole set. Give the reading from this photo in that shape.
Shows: 1,44
